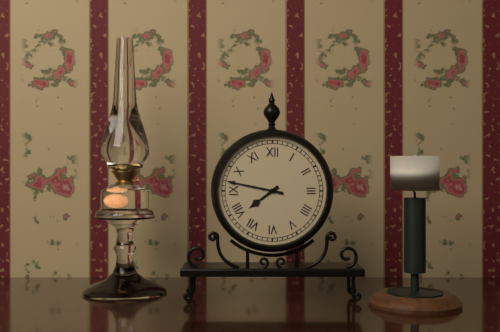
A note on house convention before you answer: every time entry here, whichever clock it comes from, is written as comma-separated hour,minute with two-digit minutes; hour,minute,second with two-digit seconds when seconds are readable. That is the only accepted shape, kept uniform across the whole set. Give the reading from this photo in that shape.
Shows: 7,47
